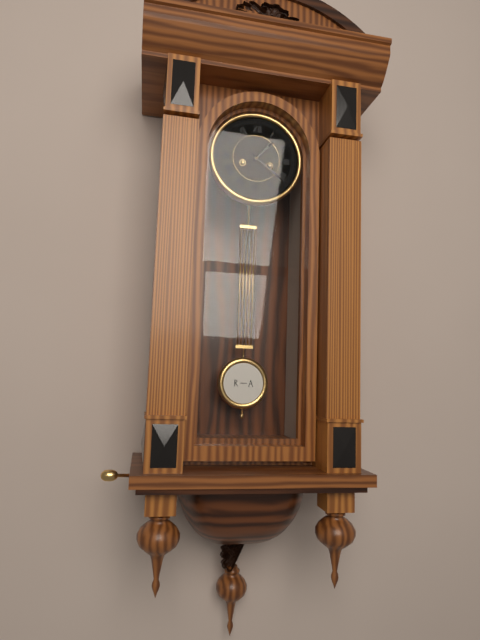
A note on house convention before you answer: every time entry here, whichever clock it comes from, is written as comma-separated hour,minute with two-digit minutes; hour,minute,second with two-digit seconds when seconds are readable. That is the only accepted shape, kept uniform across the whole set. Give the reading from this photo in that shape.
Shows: 1,21
